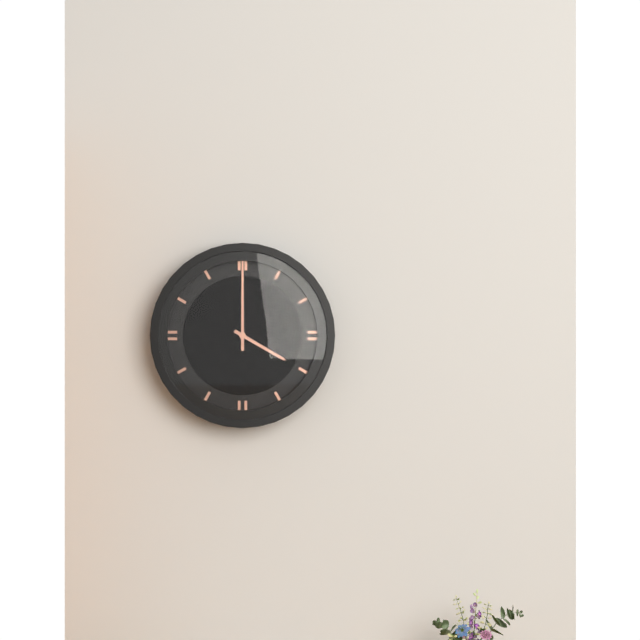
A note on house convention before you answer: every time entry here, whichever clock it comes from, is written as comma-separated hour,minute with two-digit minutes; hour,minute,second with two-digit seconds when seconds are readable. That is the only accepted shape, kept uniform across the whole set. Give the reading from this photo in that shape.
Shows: 4,00
